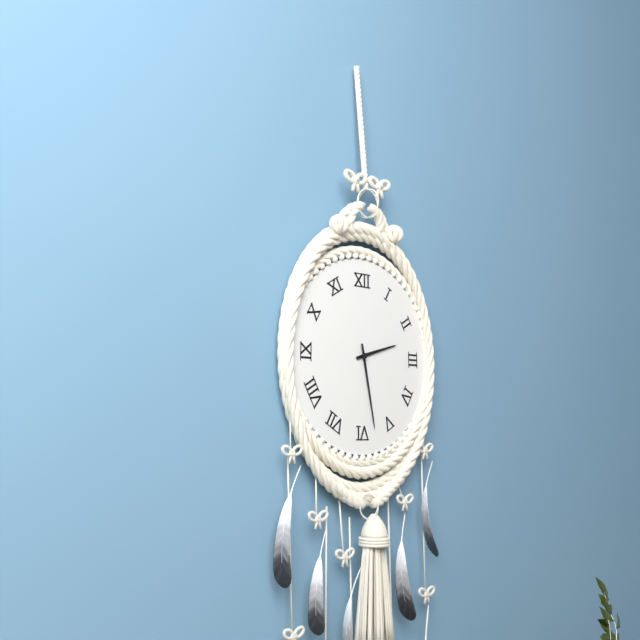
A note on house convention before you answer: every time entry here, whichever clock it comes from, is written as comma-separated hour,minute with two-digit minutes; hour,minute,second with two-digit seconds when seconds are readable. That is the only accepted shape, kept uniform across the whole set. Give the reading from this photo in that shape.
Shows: 2,28
